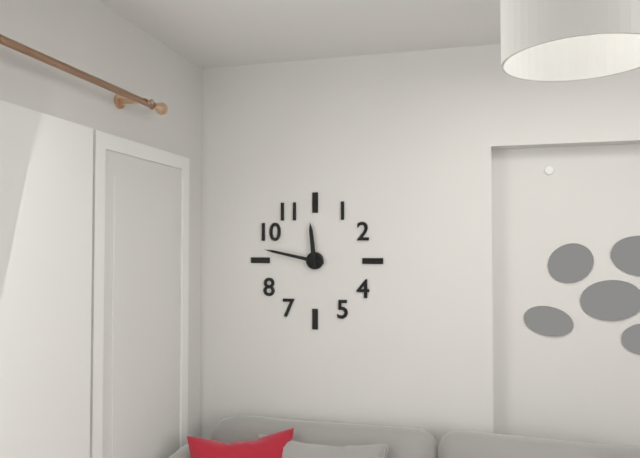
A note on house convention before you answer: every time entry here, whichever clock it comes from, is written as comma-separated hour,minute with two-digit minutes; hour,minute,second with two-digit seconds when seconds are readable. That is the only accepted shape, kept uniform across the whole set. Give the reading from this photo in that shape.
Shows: 11,47
